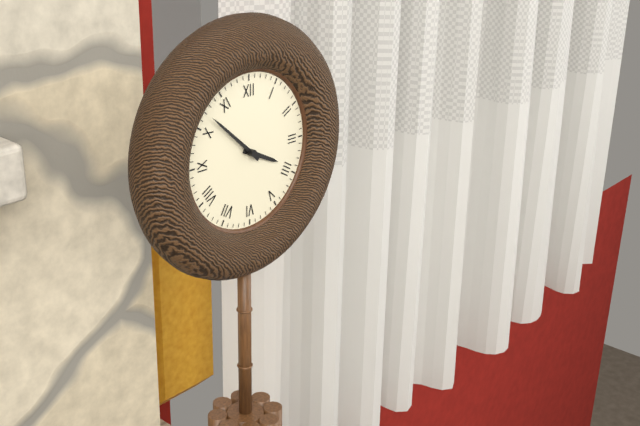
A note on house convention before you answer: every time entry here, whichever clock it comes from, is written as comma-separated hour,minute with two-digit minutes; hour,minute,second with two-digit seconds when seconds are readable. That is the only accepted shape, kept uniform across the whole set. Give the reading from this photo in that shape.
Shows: 3,52
